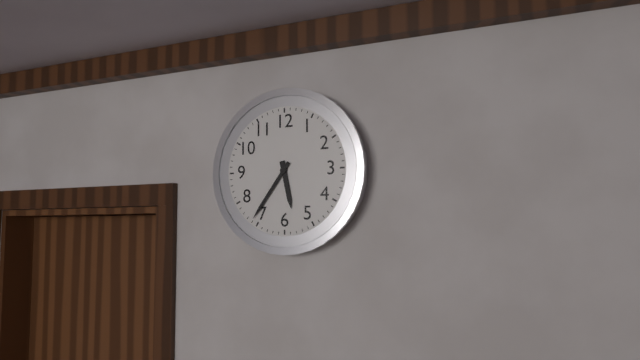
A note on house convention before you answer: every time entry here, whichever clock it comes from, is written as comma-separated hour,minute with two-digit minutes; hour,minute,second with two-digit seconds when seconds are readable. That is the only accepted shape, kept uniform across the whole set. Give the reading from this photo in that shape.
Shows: 5,36
